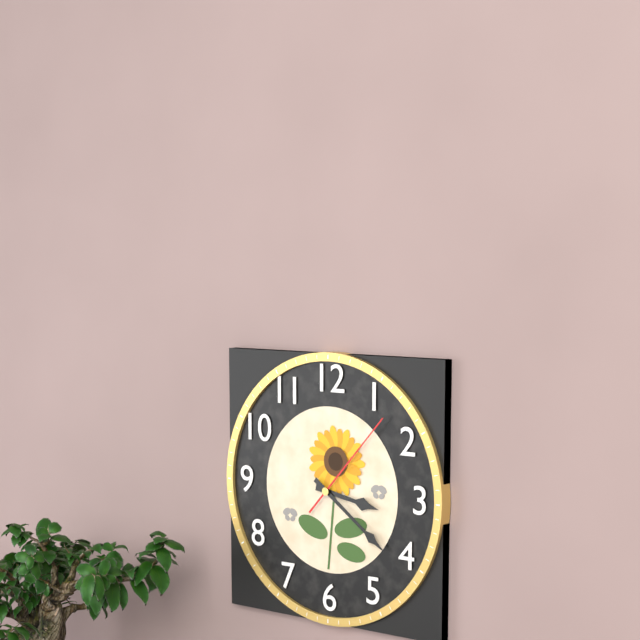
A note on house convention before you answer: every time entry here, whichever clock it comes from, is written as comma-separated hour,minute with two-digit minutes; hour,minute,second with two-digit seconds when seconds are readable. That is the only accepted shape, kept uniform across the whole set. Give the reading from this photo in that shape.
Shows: 3,21,07
